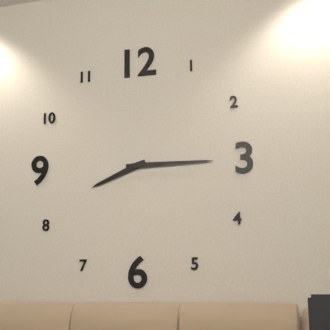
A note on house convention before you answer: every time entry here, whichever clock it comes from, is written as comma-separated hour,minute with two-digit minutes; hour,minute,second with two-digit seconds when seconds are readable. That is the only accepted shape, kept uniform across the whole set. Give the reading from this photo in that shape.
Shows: 8,15
